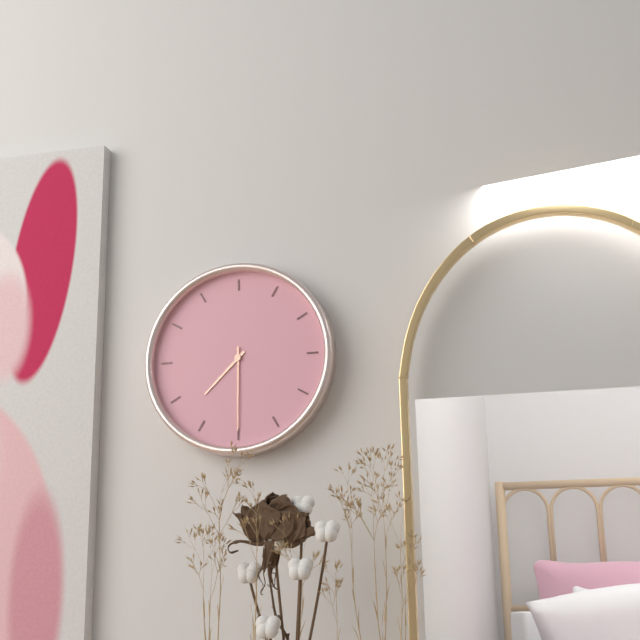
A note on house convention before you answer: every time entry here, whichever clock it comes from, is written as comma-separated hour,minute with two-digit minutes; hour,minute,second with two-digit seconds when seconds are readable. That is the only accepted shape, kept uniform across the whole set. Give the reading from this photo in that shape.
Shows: 7,30
